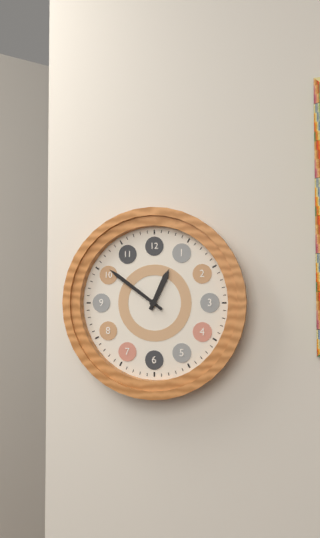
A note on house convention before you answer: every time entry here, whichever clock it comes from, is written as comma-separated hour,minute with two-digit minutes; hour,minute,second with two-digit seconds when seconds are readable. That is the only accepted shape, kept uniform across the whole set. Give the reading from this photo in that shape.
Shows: 12,51
